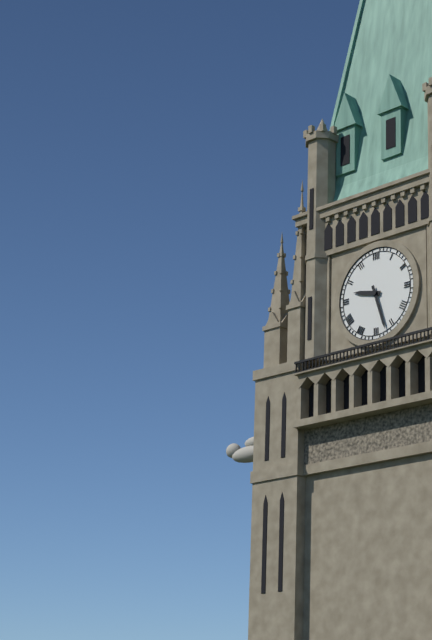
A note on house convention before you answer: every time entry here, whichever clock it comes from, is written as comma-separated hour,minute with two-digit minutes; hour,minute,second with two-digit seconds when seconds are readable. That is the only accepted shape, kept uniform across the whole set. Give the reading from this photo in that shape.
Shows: 9,27
